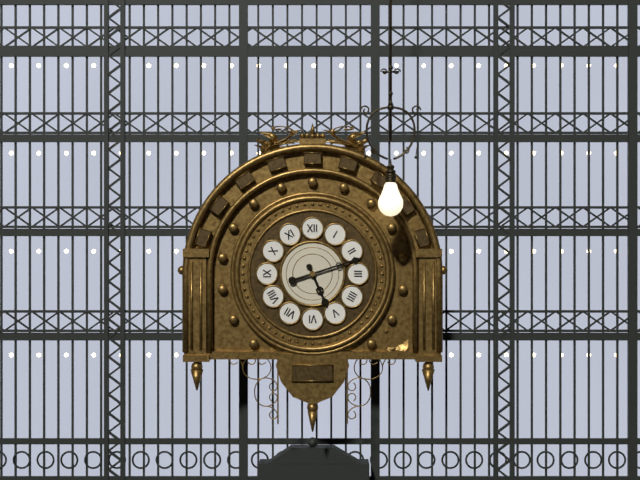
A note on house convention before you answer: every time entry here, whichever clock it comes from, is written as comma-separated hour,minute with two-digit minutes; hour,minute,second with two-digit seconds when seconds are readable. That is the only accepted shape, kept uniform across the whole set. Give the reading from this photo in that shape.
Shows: 5,12
